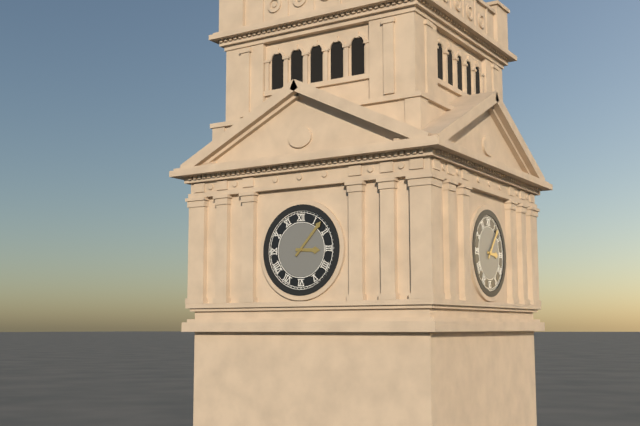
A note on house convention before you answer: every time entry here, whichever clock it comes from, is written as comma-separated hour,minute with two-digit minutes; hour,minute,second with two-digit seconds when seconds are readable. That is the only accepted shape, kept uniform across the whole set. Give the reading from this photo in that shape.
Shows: 3,07
